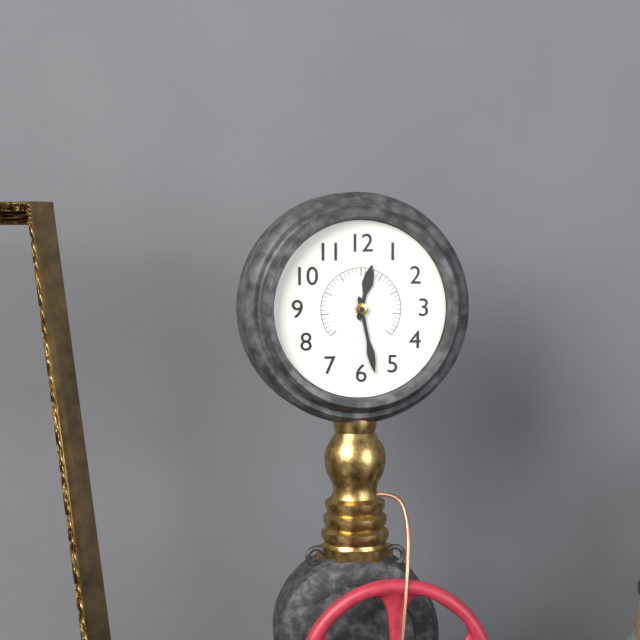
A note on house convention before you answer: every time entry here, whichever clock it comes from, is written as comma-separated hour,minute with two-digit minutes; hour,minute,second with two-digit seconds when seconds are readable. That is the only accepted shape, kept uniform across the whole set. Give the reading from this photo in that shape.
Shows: 12,28
